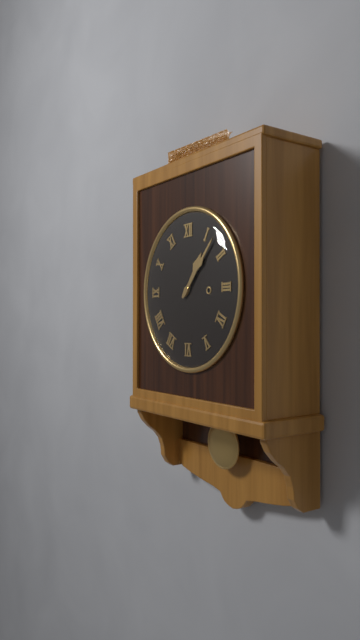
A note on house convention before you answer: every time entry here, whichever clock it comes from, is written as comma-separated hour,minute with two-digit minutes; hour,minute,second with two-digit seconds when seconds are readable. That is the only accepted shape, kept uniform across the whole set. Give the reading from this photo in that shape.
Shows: 1,07
